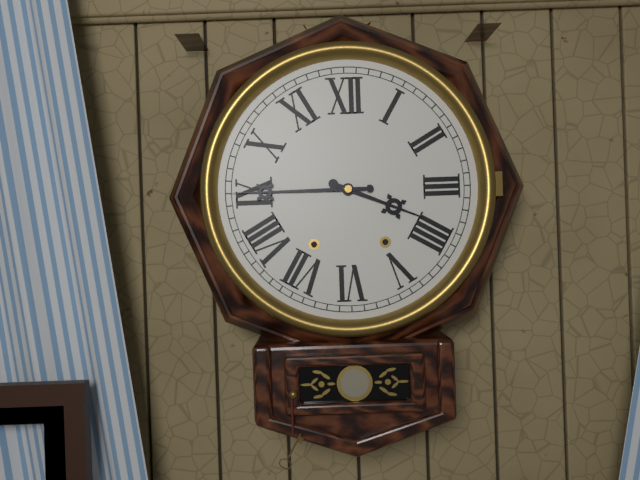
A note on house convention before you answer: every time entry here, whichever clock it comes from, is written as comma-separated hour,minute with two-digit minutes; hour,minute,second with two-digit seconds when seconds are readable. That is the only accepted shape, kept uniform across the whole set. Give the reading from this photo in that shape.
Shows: 3,45
